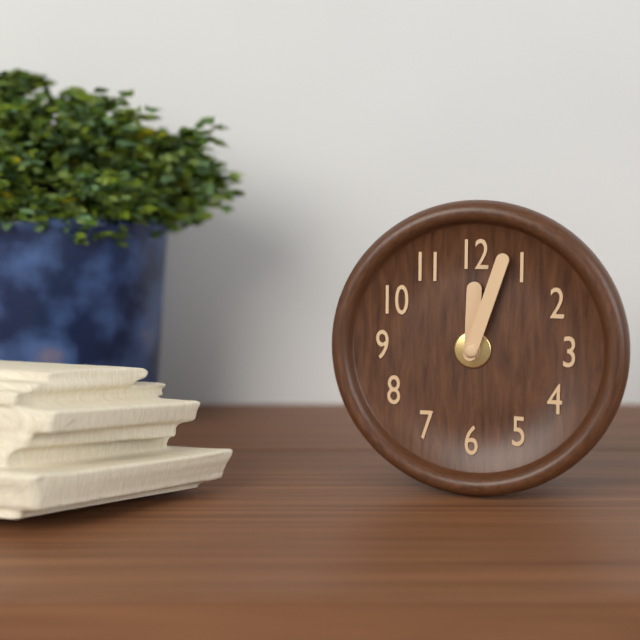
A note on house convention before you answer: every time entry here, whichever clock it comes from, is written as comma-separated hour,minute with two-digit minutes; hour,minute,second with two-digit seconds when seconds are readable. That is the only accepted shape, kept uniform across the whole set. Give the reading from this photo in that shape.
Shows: 12,03
